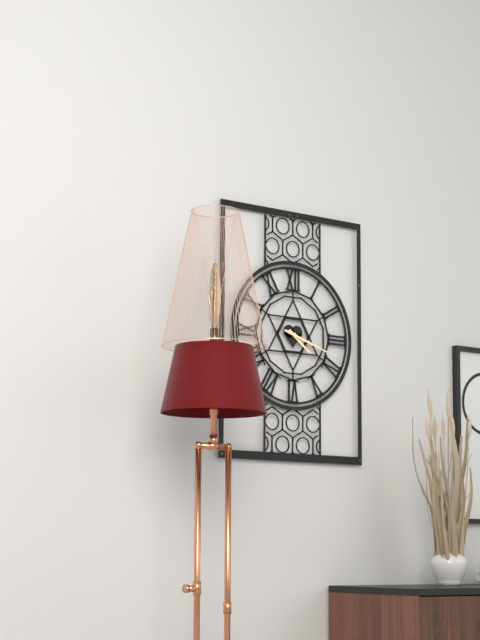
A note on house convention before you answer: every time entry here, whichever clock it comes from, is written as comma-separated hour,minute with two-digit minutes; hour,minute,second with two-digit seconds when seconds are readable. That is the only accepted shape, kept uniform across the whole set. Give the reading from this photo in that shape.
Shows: 4,18
